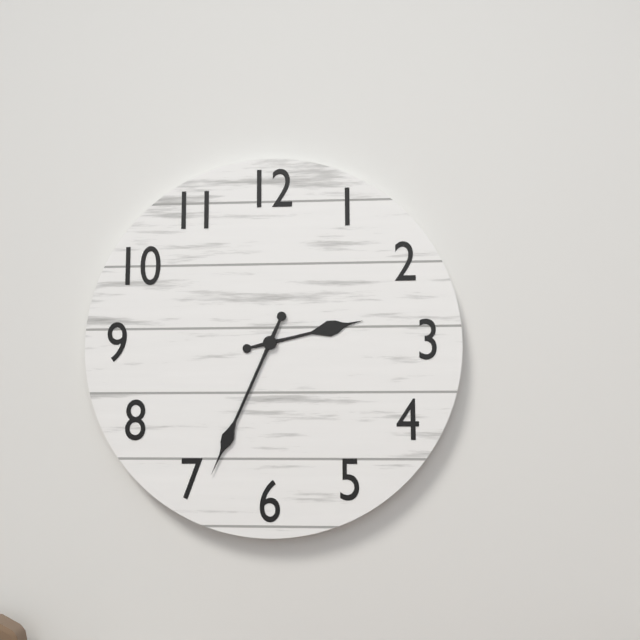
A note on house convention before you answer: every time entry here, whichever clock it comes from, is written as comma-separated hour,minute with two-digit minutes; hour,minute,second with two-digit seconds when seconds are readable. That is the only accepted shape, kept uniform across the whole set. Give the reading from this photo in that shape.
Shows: 2,34
